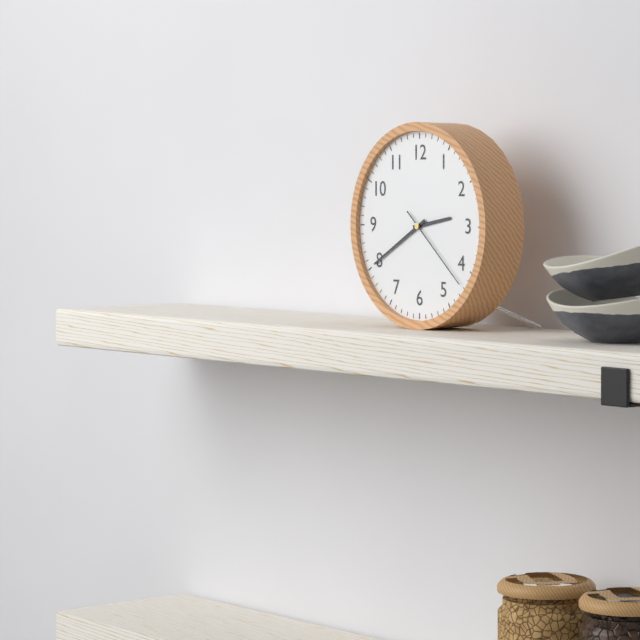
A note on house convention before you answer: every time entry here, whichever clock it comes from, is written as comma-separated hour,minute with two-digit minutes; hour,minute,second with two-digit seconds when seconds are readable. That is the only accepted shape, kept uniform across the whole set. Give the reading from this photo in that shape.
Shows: 2,40,22
